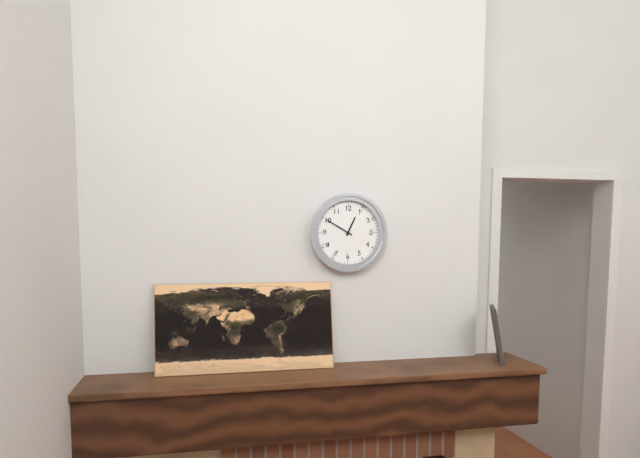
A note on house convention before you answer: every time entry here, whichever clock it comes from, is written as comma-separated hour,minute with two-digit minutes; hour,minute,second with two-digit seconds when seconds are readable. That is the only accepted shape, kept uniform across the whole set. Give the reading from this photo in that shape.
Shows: 12,50
